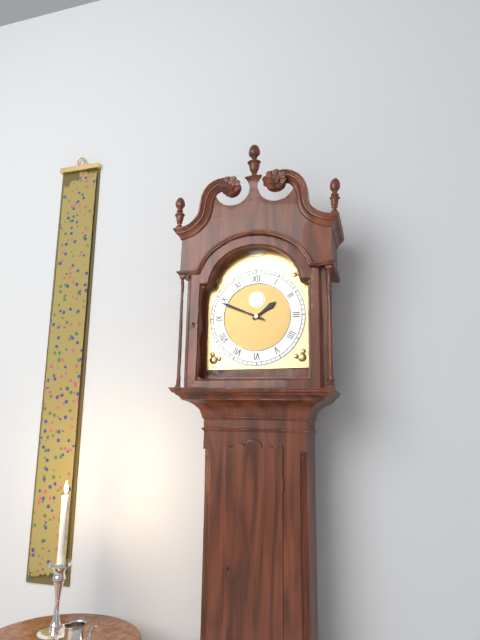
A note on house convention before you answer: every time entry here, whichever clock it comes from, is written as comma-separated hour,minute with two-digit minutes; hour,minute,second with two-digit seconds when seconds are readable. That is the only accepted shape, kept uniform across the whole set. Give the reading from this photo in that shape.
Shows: 1,49
